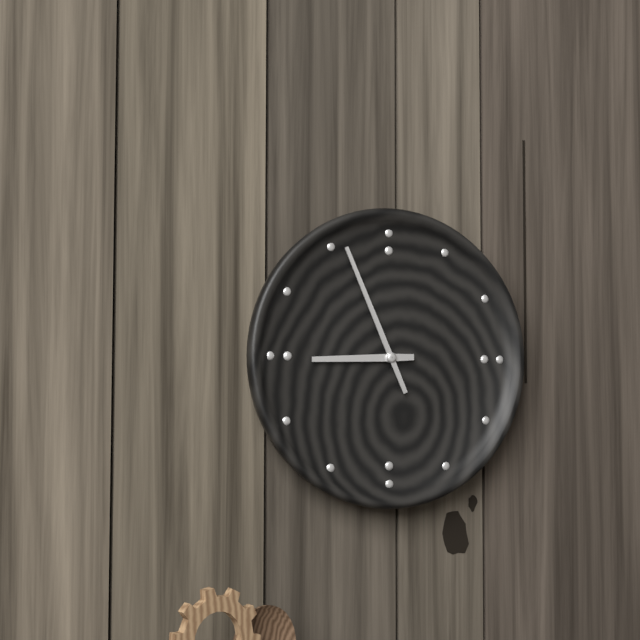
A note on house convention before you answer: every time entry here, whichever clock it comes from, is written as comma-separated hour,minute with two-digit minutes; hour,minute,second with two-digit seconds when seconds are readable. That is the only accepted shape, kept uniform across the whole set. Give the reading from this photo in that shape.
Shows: 8,56
